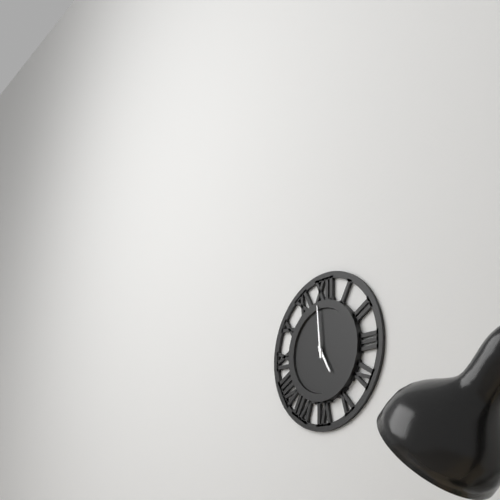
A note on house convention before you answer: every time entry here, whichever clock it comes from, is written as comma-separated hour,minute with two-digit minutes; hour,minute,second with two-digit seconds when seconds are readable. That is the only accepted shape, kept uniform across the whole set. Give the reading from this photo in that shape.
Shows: 4,59
